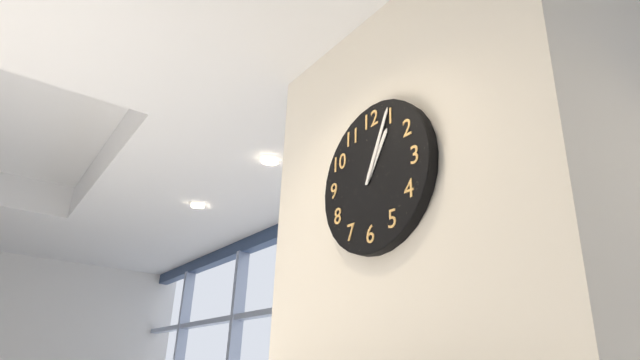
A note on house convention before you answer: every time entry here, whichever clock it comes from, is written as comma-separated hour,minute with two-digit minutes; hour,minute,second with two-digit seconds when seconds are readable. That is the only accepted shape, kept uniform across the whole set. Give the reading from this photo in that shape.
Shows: 1,04
